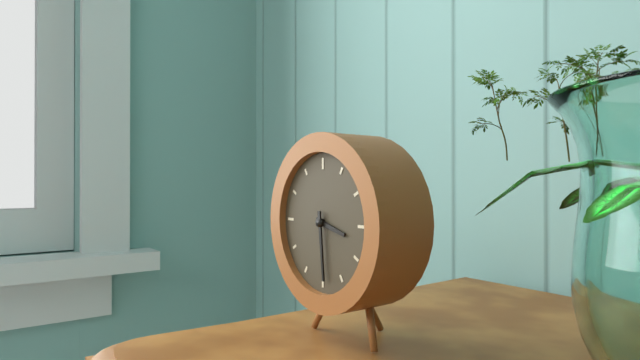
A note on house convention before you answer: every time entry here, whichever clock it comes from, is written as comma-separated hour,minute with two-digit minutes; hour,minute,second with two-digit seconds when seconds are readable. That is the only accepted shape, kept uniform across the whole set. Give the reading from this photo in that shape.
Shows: 3,29
